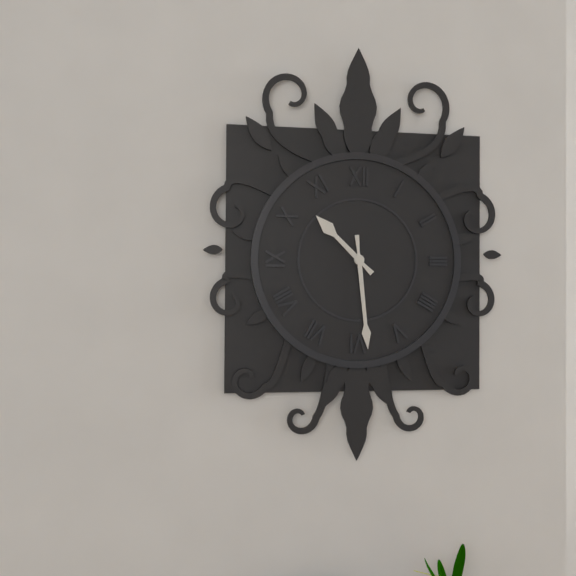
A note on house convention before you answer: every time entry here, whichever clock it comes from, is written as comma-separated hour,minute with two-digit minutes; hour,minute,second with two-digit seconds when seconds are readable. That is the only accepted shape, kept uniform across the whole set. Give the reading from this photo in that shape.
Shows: 10,29
